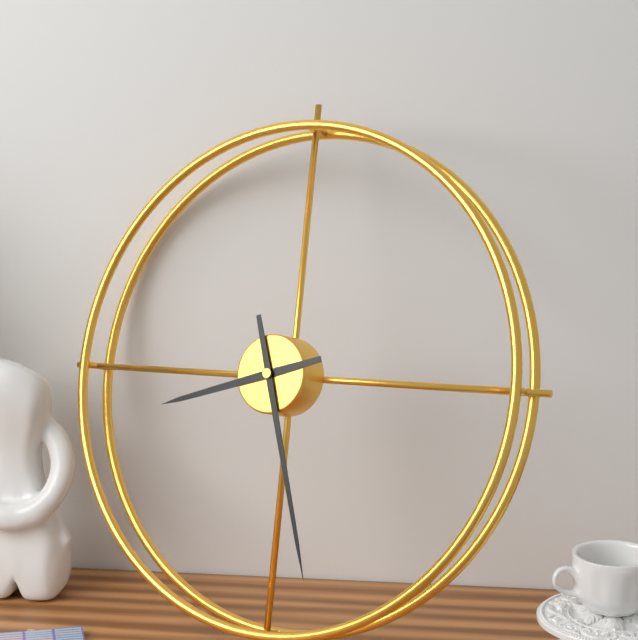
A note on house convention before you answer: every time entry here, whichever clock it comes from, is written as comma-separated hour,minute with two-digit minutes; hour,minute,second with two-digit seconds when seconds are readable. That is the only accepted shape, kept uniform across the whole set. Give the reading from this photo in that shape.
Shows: 8,27
